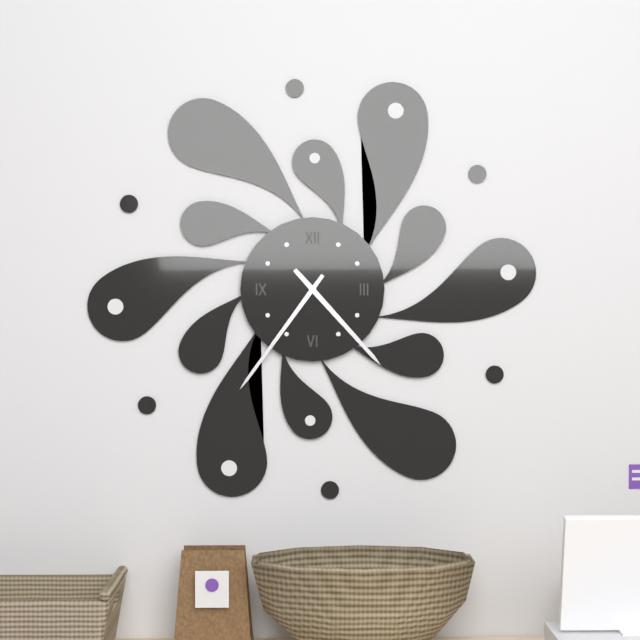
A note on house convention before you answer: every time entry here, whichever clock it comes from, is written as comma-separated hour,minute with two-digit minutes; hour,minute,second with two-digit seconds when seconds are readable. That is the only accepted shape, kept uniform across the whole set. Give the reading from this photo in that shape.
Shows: 4,36
